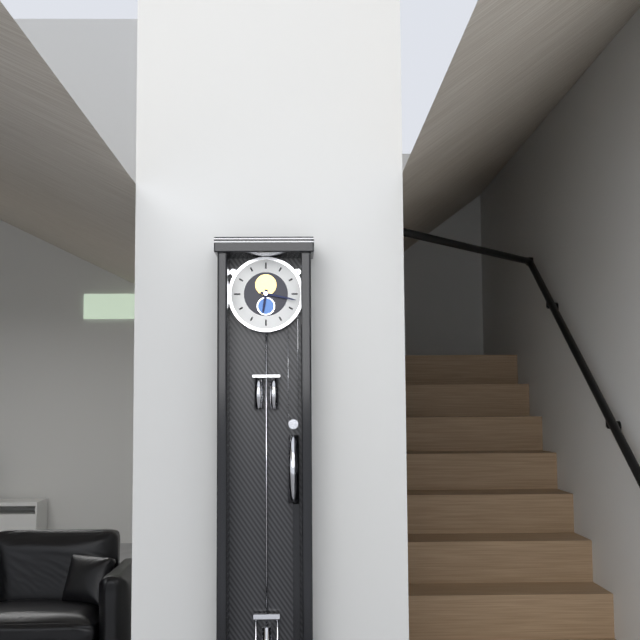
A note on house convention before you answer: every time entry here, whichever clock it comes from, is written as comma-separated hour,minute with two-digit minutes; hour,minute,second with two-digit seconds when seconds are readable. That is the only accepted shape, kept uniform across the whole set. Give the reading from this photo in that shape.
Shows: 6,17
